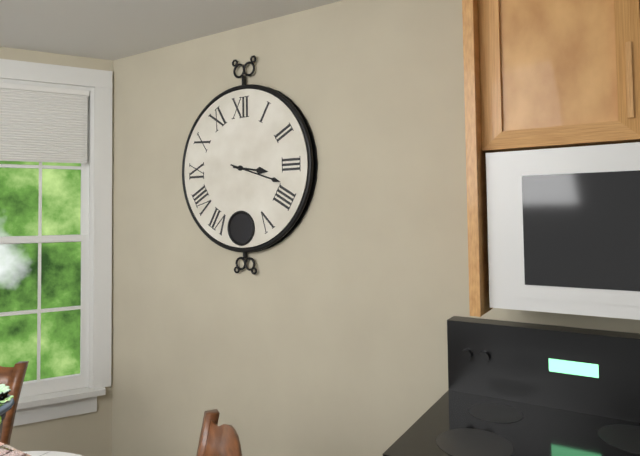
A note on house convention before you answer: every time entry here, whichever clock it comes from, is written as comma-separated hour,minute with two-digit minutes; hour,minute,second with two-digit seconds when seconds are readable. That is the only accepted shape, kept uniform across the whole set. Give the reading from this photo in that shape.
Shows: 3,18
